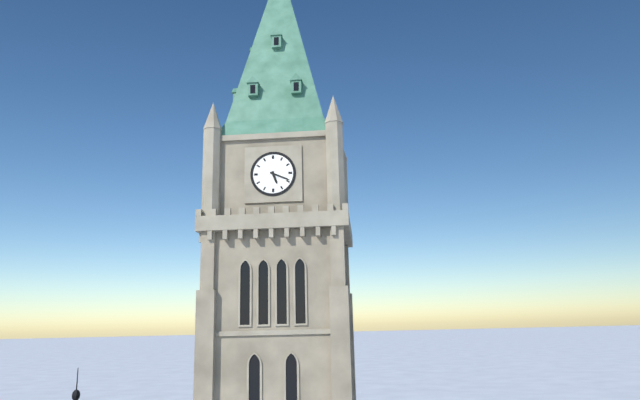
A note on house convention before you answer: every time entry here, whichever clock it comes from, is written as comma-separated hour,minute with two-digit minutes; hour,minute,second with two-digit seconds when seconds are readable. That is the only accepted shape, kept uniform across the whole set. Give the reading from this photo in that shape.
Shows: 5,19
